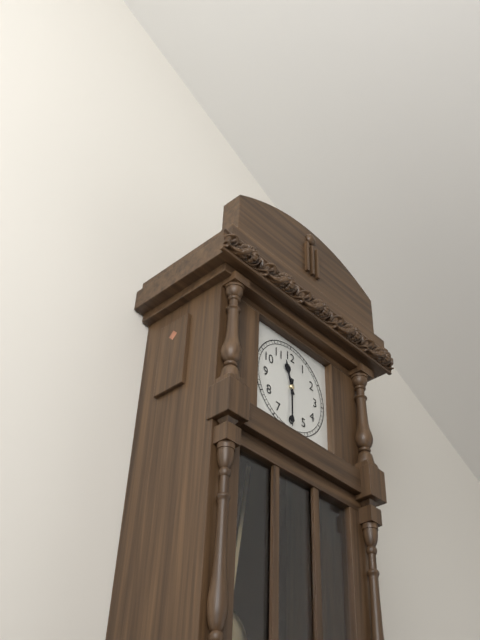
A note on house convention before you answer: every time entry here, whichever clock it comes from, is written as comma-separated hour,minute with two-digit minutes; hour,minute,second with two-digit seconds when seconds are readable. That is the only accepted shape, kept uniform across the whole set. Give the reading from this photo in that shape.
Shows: 11,30
